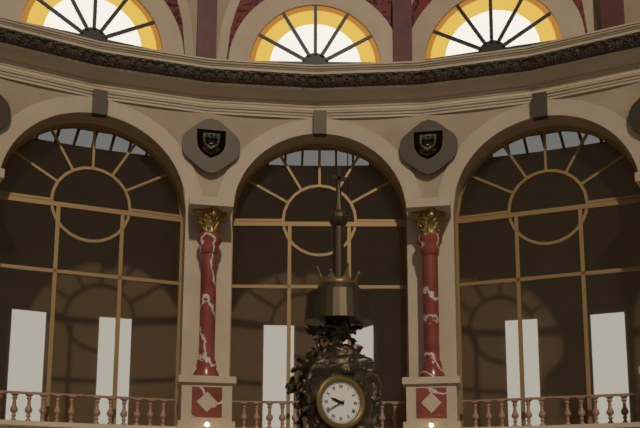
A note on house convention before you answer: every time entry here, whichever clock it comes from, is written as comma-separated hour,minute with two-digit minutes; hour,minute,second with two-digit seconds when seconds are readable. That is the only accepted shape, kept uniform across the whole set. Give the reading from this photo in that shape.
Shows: 9,40
